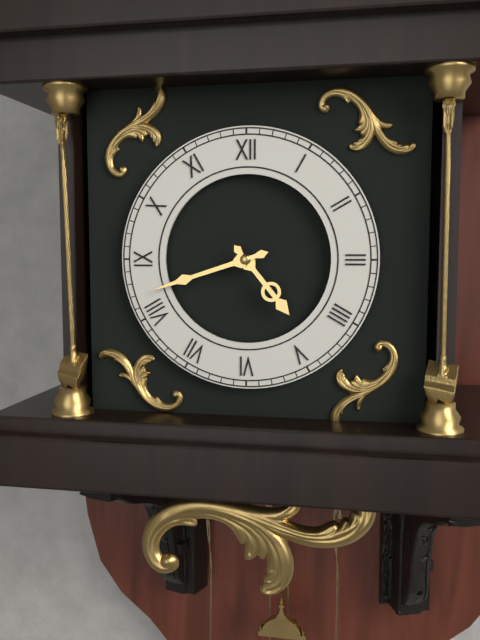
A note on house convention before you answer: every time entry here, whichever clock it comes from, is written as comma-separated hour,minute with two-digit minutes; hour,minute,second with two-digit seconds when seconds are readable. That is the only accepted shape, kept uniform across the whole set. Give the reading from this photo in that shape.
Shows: 4,42
